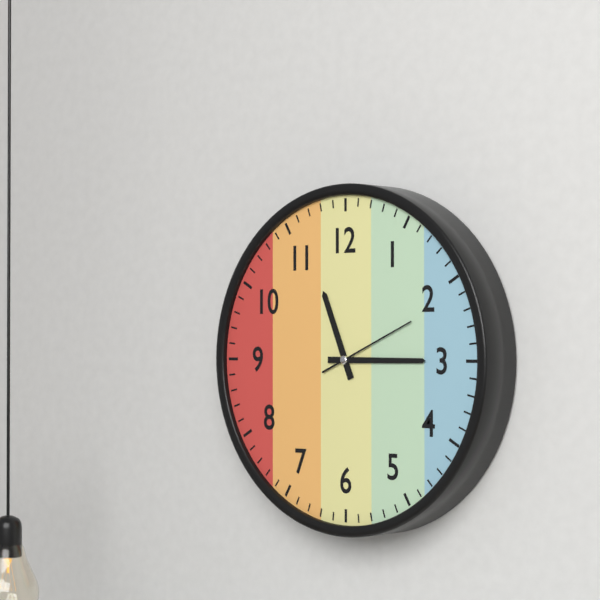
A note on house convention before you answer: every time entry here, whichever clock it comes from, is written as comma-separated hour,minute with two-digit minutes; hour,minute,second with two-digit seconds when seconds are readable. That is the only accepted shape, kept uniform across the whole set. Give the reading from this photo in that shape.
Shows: 11,15,11
